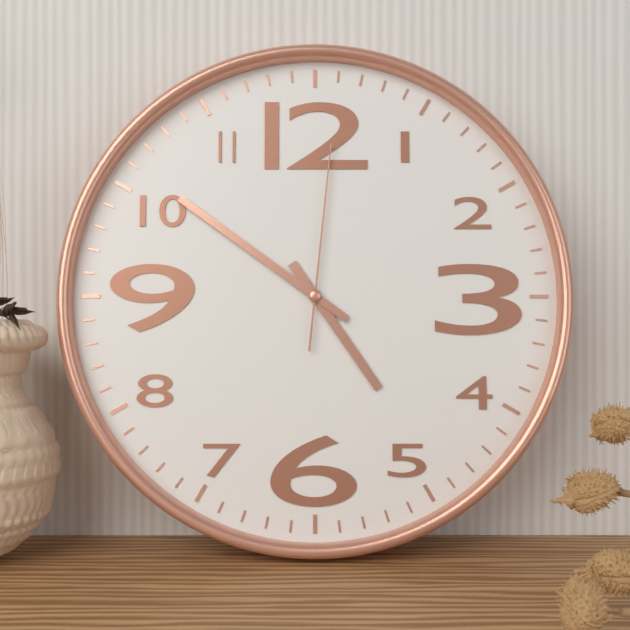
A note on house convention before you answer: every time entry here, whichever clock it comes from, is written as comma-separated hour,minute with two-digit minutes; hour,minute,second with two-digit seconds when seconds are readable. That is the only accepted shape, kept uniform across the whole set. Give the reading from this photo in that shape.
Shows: 4,51,01
